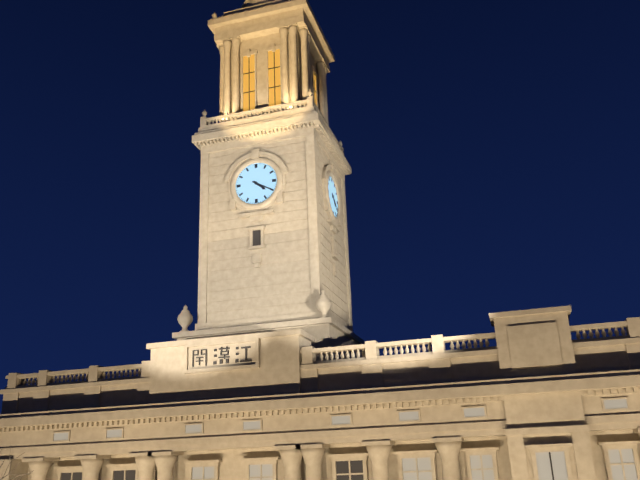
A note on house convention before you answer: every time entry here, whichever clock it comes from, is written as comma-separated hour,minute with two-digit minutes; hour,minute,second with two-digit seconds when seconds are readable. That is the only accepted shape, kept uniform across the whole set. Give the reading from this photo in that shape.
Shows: 4,20
